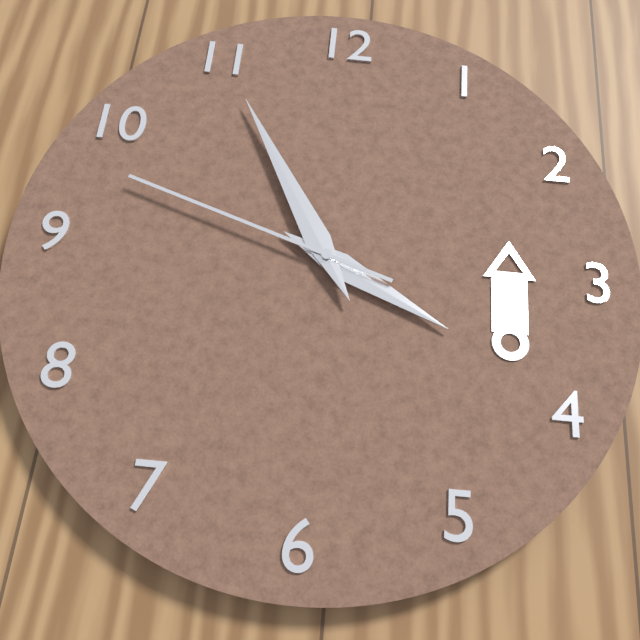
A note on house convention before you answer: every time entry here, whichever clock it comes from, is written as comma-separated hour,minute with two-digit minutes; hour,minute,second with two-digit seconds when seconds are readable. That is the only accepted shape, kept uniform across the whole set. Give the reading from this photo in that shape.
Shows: 3,55,48
